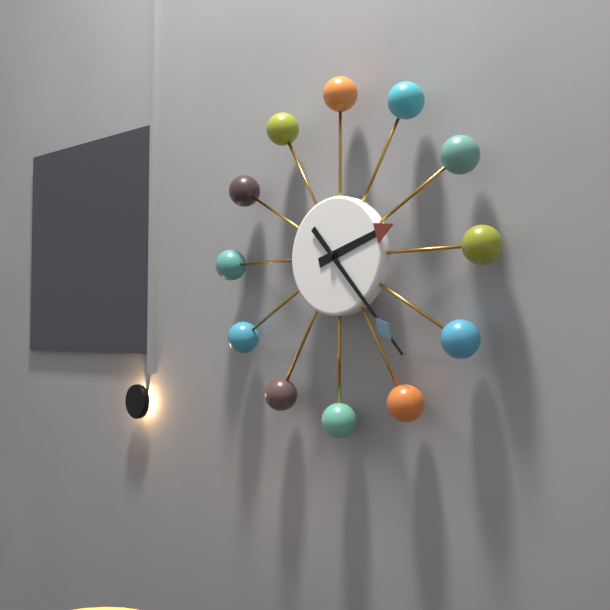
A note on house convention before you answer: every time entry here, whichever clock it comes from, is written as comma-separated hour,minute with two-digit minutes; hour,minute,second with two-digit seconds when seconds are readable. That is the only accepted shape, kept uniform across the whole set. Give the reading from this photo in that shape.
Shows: 2,23
